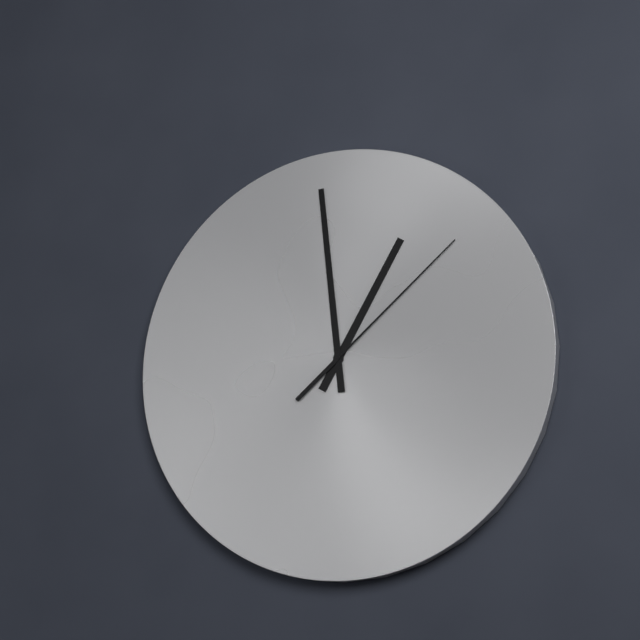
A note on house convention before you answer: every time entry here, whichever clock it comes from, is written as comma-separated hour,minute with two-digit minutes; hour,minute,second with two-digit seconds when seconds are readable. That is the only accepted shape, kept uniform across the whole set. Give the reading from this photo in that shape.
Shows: 12,59,08
